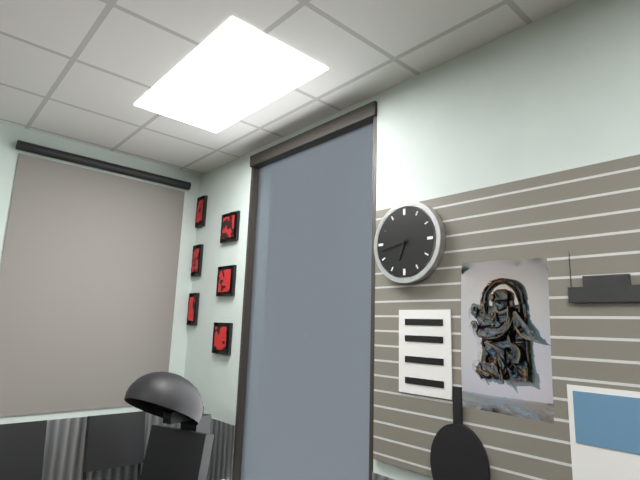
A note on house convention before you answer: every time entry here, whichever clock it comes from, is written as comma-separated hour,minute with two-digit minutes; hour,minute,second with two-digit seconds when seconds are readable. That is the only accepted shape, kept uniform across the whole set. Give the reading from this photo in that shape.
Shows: 6,43
